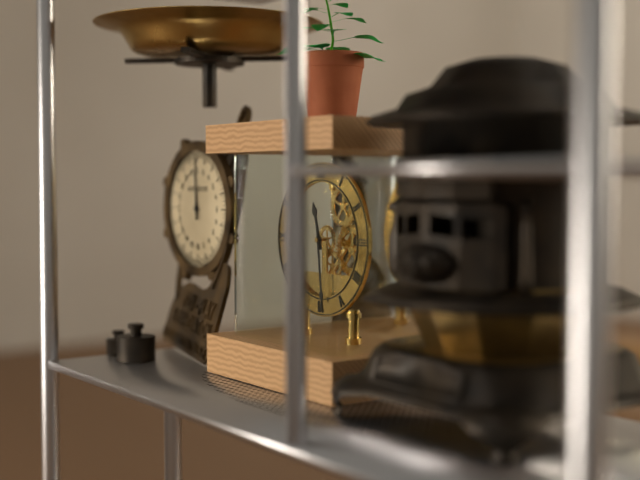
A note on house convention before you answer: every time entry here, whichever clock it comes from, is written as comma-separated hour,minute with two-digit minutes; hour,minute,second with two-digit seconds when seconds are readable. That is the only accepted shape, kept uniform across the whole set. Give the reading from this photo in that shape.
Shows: 11,29
